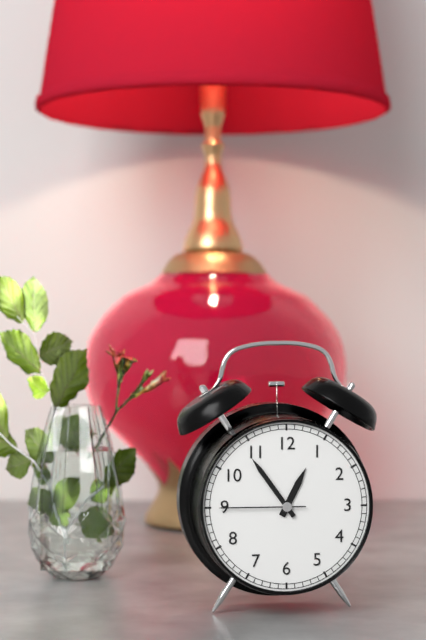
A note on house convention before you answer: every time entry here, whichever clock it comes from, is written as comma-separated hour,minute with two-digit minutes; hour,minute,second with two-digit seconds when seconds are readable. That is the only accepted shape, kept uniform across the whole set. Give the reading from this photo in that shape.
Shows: 12,54,45
